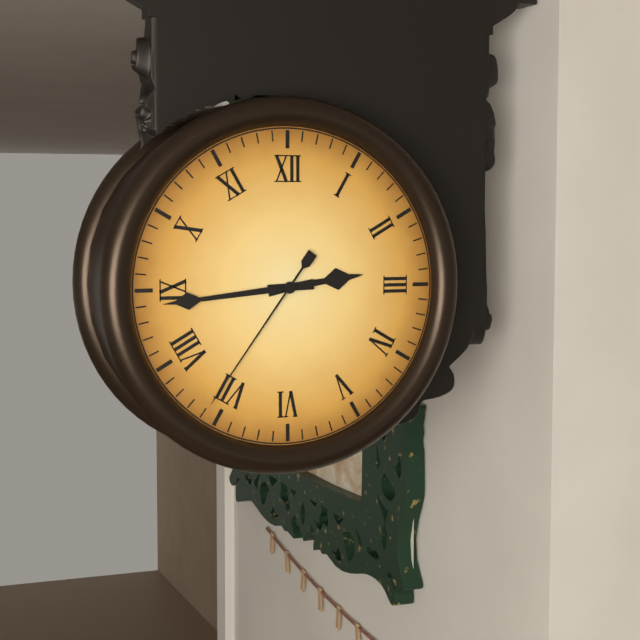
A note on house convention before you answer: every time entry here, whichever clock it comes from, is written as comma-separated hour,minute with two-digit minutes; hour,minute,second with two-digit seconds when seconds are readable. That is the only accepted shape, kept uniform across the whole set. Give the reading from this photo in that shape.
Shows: 2,44,36
